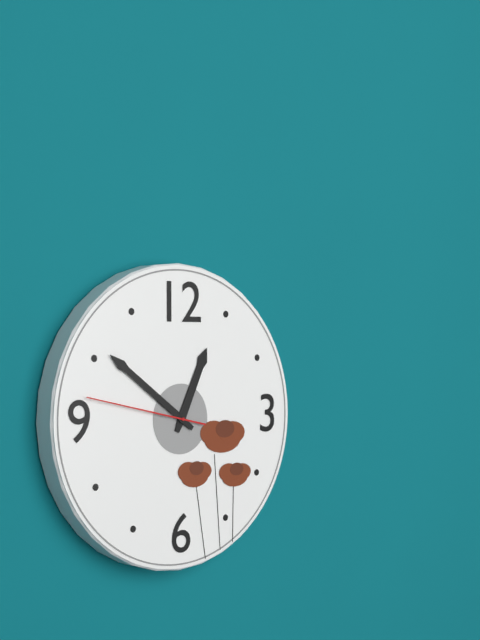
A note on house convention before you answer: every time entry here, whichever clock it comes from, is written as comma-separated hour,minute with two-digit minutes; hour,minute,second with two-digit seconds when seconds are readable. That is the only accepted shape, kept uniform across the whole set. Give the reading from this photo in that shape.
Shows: 12,51,47
